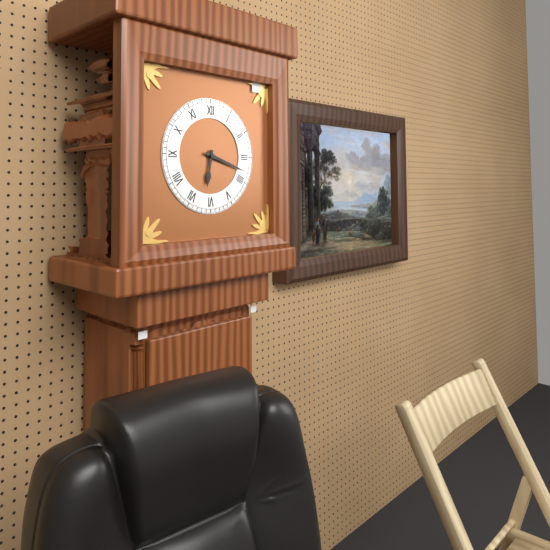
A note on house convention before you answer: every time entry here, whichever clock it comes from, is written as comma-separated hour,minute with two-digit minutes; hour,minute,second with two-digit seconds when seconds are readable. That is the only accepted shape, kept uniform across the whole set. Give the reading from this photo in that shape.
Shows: 6,18
